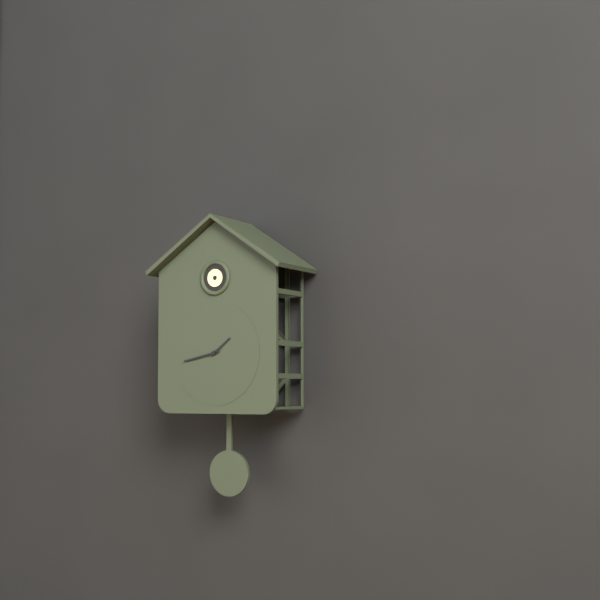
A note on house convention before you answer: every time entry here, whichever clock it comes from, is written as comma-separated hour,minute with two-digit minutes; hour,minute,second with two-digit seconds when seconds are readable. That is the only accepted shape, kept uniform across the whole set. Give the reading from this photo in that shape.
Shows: 1,43
